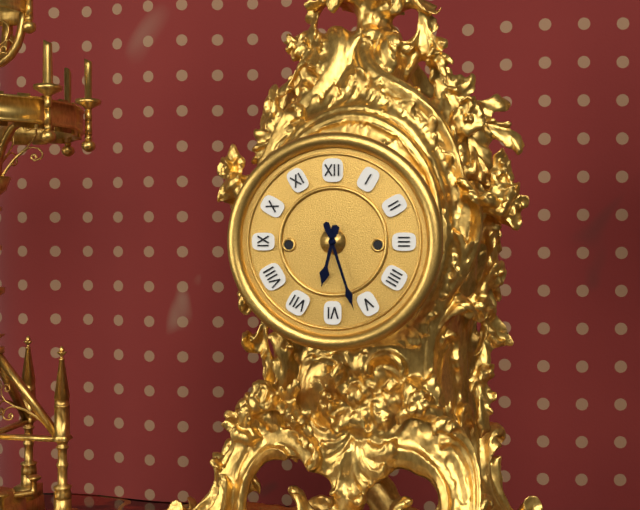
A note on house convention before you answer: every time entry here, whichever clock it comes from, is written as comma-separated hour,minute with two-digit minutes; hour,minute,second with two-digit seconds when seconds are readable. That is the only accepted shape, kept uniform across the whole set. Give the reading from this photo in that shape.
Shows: 6,27
